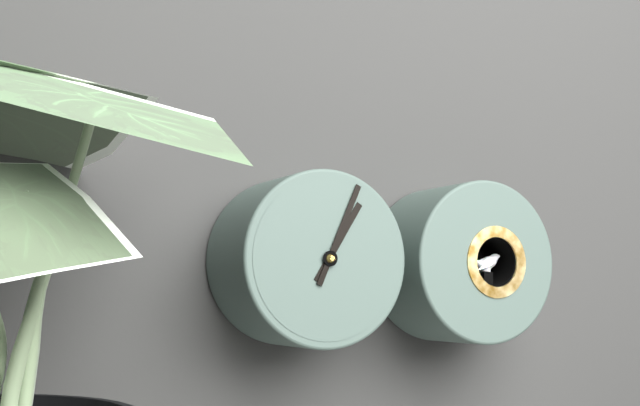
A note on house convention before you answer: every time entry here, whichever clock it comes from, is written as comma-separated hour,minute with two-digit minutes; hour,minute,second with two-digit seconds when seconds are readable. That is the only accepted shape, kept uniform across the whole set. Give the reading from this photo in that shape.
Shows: 1,04
